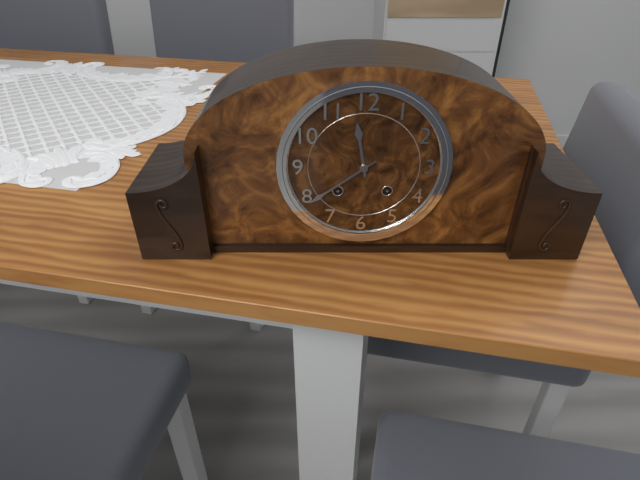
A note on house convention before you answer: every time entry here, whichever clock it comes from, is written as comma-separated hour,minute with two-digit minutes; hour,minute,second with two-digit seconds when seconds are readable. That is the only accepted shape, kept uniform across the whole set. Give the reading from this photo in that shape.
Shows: 11,39
